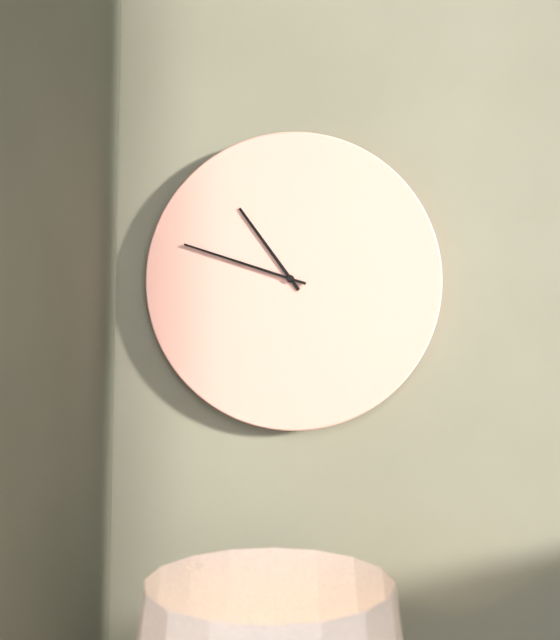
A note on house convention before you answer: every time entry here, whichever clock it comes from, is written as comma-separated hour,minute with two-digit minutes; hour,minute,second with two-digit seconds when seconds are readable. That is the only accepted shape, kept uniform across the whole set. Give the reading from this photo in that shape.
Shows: 10,48
